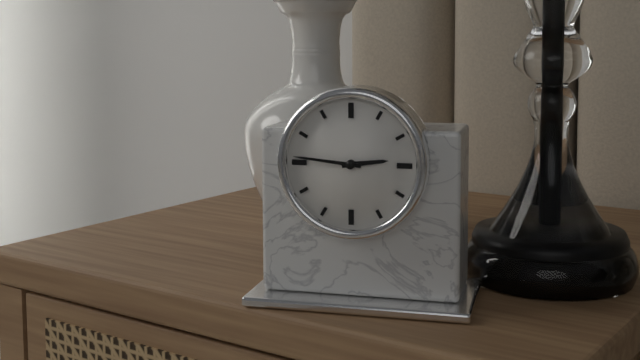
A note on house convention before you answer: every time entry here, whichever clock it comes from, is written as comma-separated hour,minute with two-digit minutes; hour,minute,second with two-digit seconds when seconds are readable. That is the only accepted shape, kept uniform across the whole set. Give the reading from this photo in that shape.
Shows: 2,46
